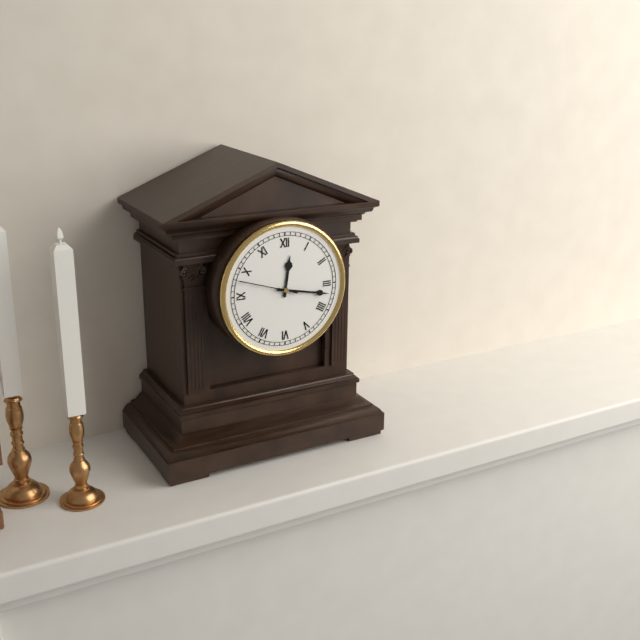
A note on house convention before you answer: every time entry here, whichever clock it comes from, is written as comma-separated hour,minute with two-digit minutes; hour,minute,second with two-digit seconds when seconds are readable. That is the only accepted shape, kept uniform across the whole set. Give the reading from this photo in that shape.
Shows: 12,17,48
